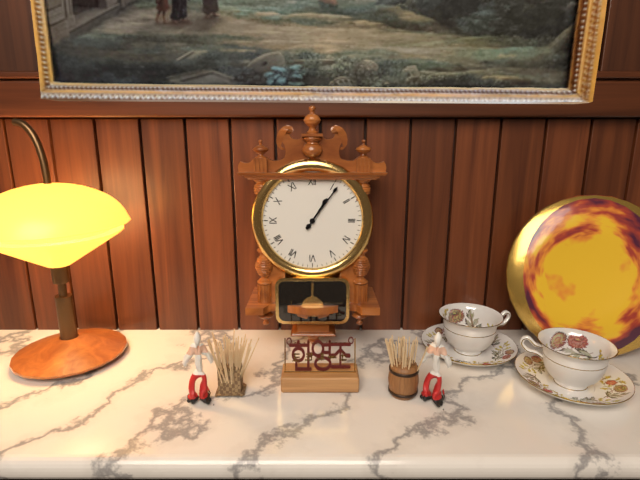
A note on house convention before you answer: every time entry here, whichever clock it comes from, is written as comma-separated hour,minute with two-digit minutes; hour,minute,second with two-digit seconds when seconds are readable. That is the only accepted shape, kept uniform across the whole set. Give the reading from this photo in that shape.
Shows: 1,06
